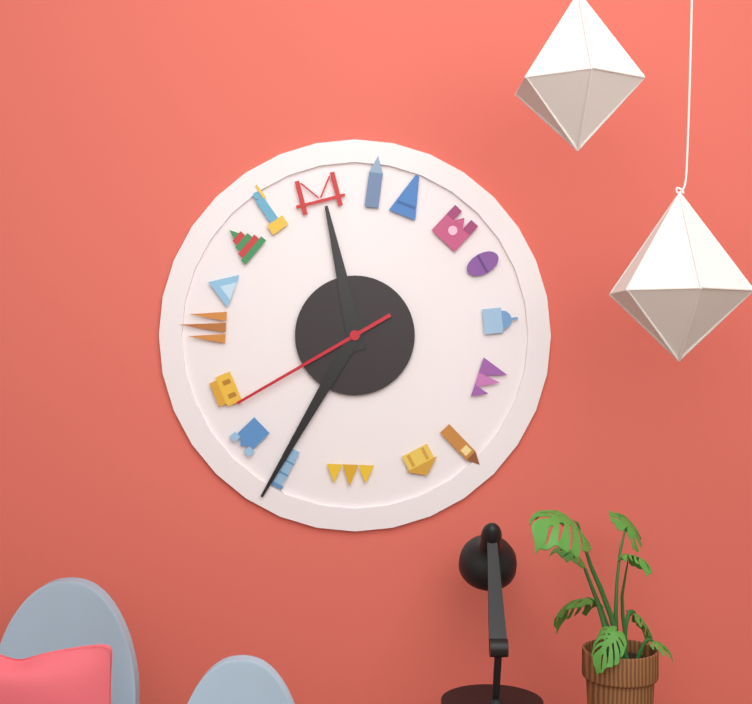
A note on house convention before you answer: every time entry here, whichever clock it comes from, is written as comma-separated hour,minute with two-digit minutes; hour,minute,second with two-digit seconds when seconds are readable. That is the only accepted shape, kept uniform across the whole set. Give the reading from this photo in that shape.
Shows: 11,35,40
